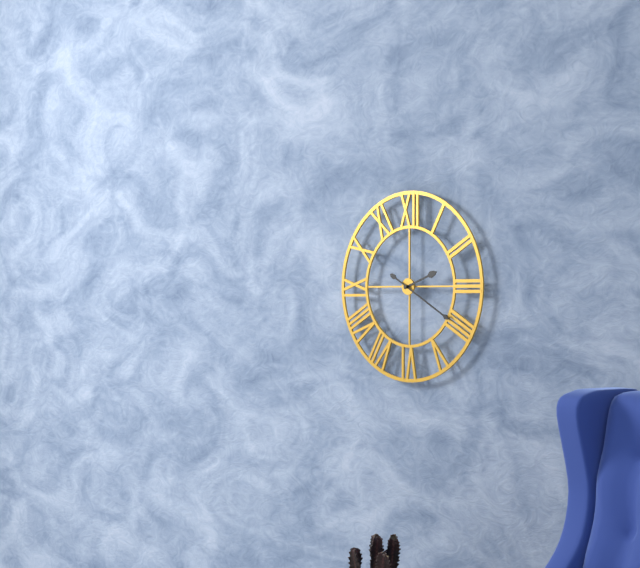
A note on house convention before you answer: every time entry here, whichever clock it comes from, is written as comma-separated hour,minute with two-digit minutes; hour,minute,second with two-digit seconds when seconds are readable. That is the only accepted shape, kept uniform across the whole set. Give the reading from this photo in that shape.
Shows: 2,20
